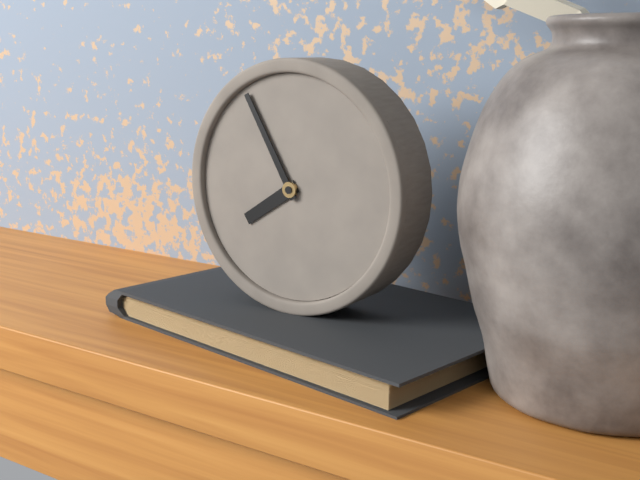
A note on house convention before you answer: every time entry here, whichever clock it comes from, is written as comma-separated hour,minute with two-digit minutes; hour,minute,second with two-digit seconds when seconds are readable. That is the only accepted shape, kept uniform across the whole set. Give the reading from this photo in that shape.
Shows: 7,55
